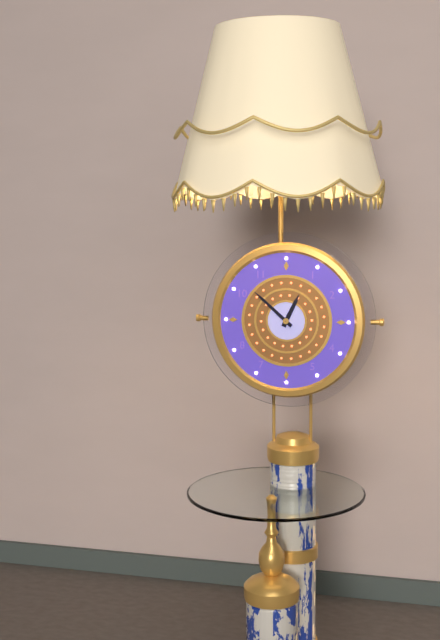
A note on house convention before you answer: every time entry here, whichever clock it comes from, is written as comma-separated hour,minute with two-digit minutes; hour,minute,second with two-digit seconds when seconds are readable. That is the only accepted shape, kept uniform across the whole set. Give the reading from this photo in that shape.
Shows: 12,52
